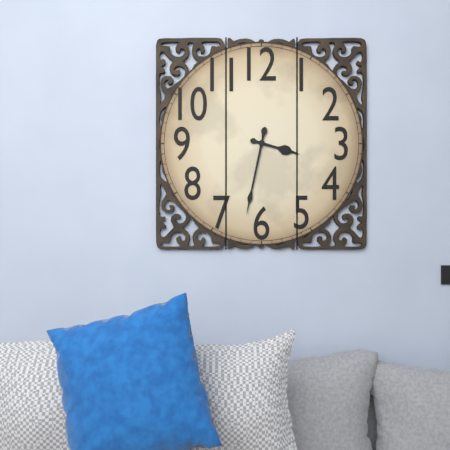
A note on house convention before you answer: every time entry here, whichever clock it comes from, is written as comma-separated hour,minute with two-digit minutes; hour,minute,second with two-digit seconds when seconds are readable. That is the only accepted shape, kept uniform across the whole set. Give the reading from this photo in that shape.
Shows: 3,32
